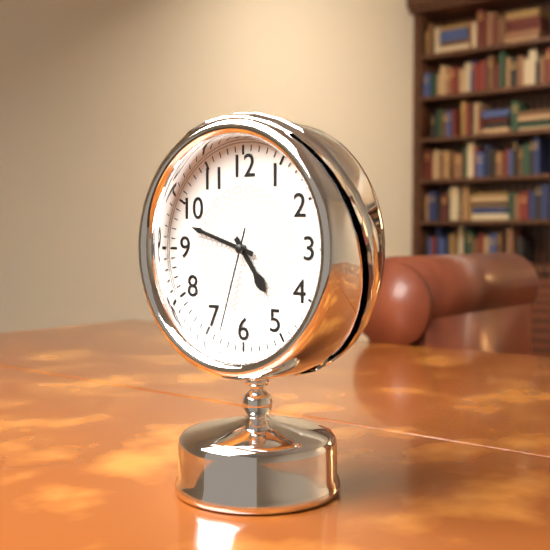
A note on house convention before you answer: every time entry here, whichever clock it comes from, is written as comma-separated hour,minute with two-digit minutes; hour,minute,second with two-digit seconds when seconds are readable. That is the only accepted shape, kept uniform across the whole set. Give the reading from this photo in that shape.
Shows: 4,48,33
